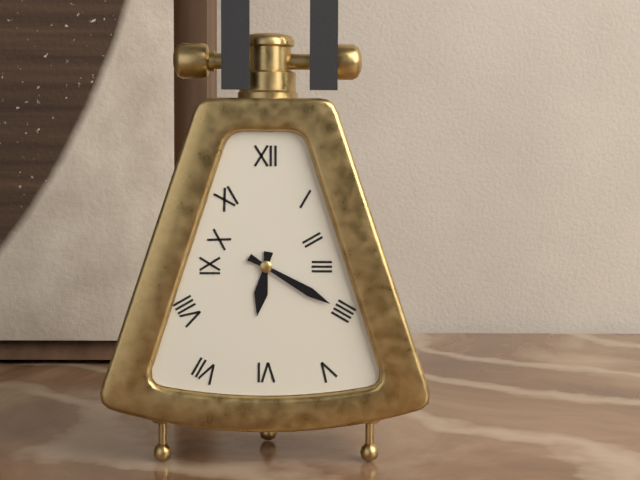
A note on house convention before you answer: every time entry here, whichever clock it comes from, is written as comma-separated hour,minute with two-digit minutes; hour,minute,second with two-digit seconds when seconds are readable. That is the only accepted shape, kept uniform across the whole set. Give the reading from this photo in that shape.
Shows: 6,20
